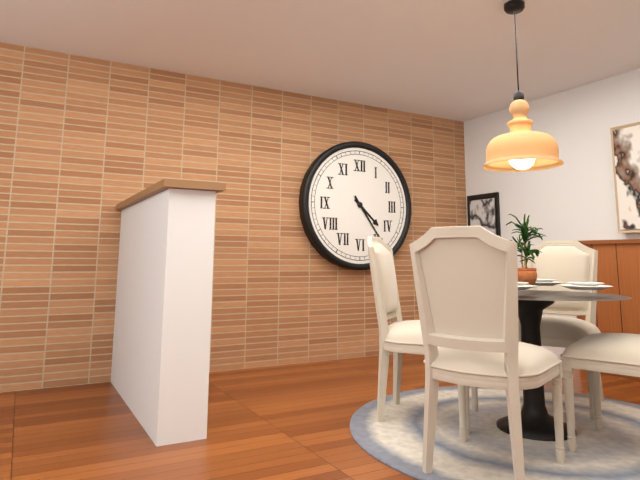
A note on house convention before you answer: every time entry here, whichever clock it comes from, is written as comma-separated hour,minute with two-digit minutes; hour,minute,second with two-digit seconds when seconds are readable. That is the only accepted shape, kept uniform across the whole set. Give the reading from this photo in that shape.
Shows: 4,24
